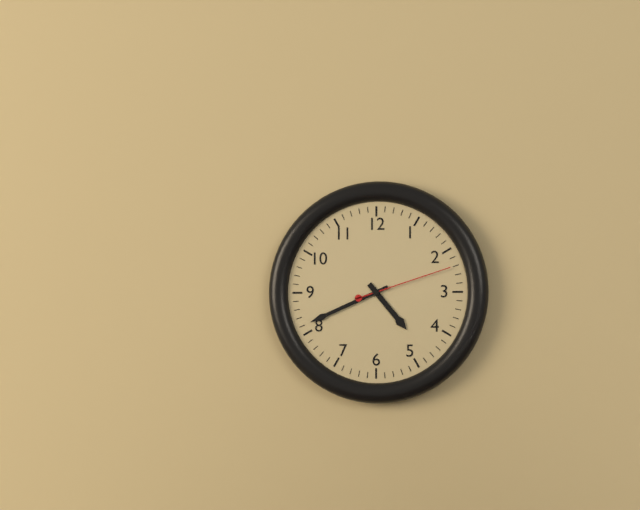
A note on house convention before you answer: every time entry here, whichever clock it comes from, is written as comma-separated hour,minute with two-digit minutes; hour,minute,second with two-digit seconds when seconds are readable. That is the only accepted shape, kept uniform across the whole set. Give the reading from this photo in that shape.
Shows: 4,41,12
